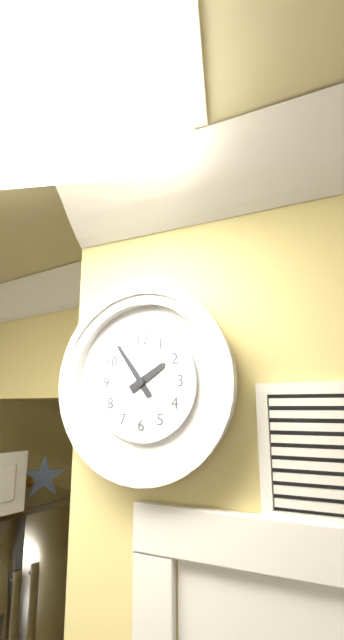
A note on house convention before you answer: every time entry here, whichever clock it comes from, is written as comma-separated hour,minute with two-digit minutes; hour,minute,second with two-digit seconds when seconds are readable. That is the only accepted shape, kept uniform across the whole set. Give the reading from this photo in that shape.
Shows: 1,54
